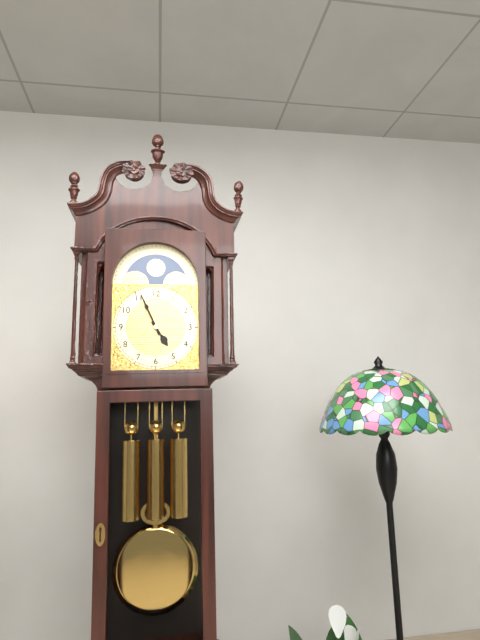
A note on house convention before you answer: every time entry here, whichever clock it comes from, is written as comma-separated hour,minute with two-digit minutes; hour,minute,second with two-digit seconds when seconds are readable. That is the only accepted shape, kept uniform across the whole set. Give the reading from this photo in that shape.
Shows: 4,56
